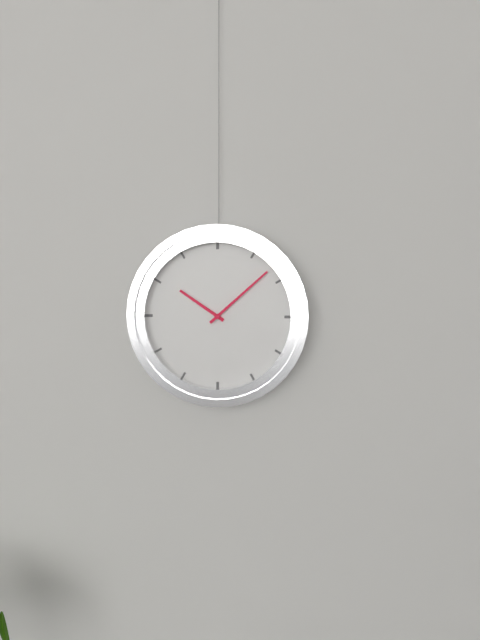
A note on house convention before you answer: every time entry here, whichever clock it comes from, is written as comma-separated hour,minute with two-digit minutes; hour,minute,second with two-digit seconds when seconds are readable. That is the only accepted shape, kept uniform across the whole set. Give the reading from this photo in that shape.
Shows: 10,08
